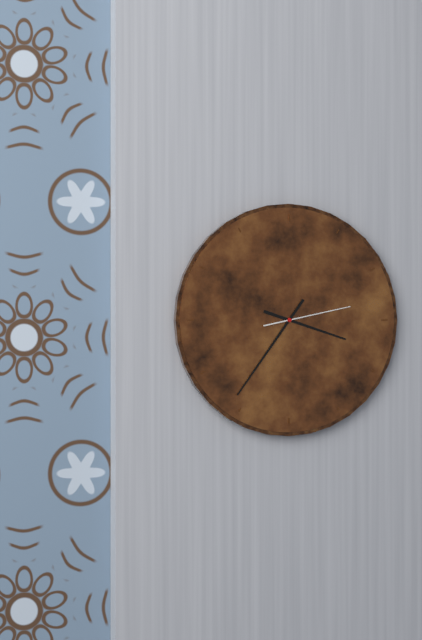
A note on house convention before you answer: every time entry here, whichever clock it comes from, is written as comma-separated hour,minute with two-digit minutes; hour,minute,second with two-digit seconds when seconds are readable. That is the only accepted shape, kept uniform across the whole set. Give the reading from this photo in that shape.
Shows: 3,36,13
